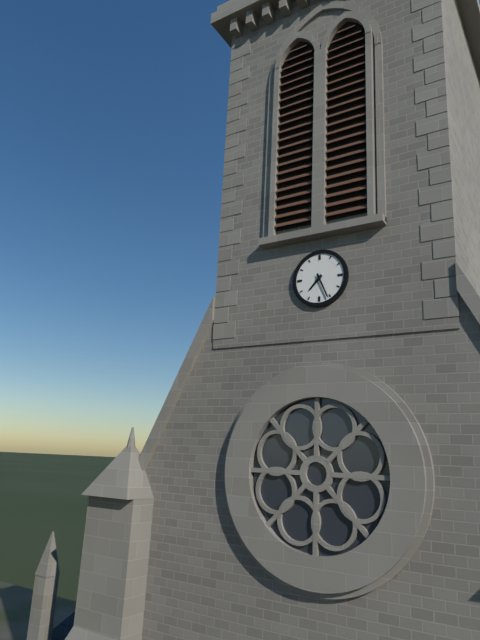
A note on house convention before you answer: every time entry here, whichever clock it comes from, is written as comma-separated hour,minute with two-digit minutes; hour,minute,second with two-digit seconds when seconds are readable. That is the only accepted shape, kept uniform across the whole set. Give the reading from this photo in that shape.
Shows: 7,26
